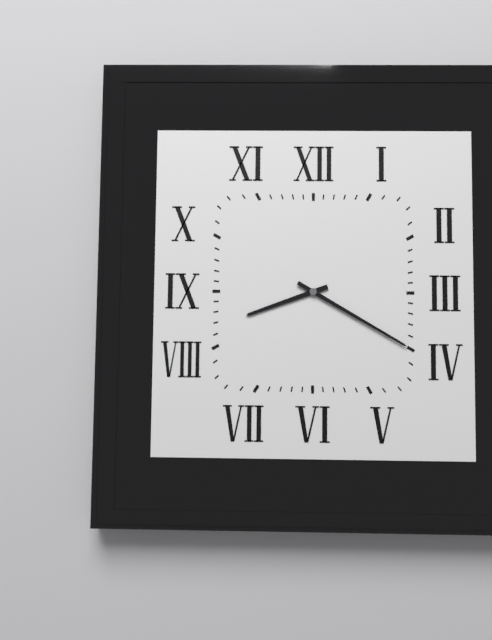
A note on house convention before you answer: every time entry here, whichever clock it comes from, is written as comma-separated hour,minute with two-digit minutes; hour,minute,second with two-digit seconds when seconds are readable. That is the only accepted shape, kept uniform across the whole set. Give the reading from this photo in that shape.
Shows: 8,20
